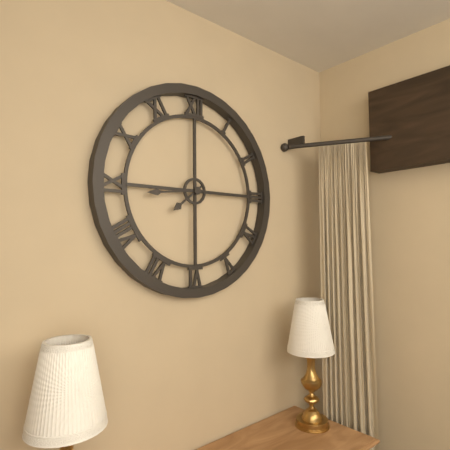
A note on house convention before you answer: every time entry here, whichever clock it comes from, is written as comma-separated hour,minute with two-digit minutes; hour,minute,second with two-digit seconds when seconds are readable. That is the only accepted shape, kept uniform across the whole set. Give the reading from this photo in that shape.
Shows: 7,44
